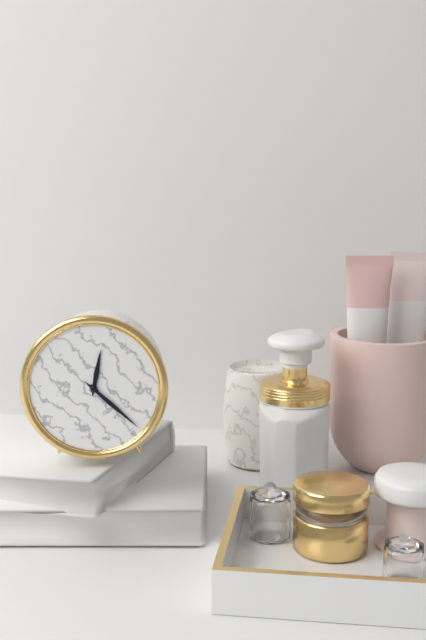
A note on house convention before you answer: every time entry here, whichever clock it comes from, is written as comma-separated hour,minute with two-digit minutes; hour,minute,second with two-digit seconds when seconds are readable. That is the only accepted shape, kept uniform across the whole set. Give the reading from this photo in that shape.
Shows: 12,22
